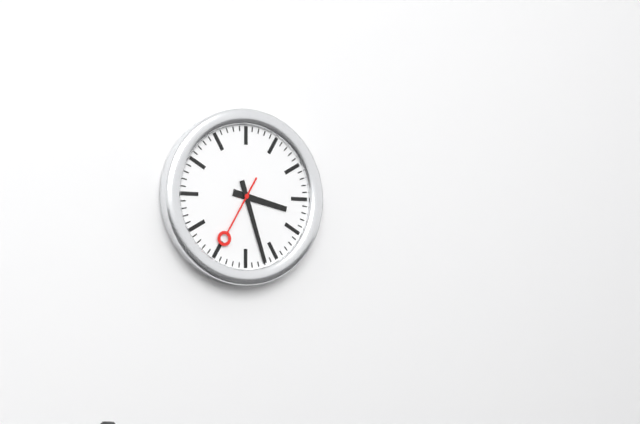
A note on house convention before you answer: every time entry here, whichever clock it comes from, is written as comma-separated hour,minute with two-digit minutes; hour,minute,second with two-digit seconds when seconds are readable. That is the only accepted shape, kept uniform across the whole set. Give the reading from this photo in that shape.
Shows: 3,27,35
